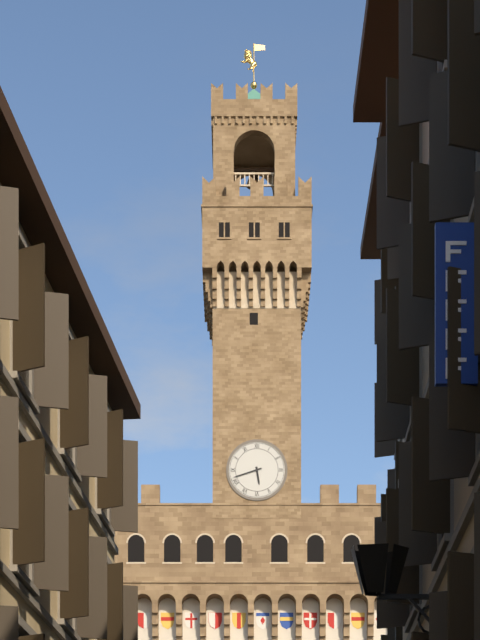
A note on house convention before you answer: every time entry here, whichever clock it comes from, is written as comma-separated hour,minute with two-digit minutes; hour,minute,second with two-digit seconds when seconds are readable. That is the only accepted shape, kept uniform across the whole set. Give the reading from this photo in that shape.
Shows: 5,42
